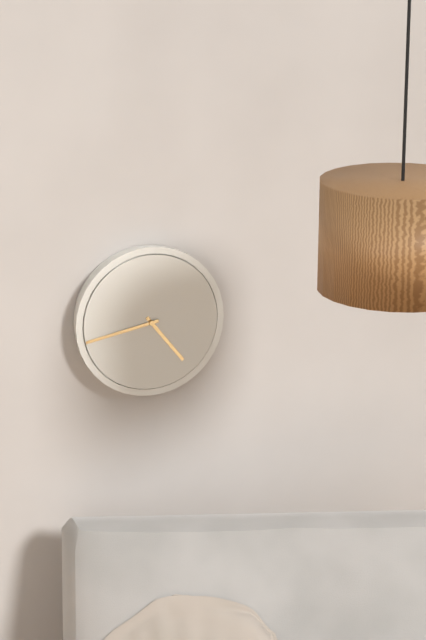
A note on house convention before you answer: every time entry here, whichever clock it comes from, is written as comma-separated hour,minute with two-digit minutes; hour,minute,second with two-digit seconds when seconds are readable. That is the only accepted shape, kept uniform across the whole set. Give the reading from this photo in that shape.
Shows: 4,43
